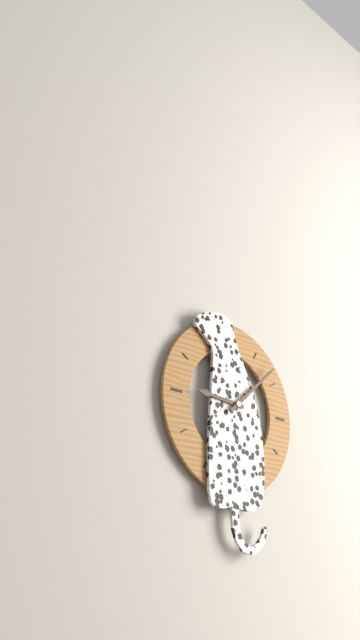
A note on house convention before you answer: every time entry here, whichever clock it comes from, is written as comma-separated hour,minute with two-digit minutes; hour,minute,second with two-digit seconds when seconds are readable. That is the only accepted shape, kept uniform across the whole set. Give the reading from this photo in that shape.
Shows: 9,08
